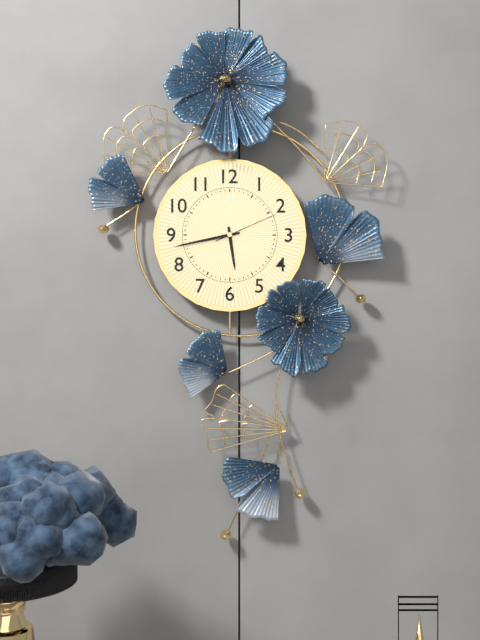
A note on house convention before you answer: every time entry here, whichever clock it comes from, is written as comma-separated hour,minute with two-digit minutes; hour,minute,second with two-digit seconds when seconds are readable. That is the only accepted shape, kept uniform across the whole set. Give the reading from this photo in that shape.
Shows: 5,43,11
